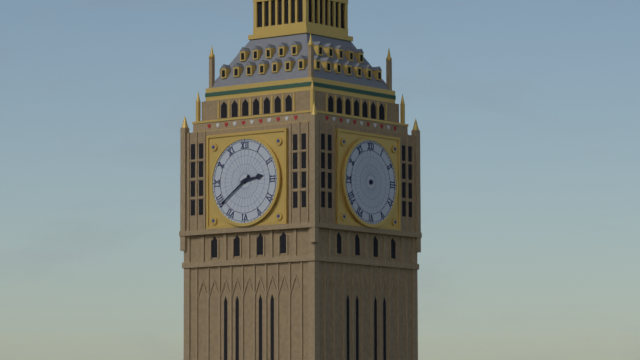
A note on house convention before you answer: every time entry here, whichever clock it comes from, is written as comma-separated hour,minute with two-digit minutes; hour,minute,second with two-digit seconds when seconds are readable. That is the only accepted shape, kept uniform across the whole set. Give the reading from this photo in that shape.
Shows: 2,39
